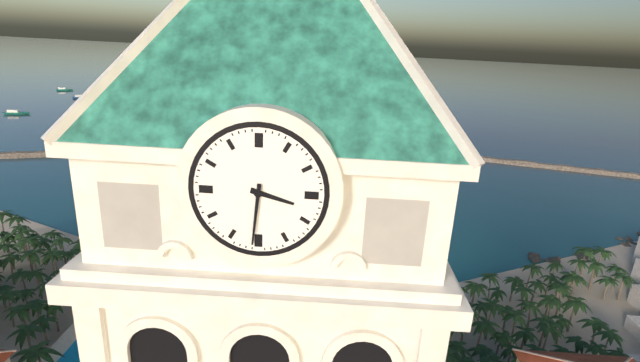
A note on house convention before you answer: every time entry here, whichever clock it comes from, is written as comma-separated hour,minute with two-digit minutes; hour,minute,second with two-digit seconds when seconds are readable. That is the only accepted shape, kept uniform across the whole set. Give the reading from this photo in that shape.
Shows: 3,31
